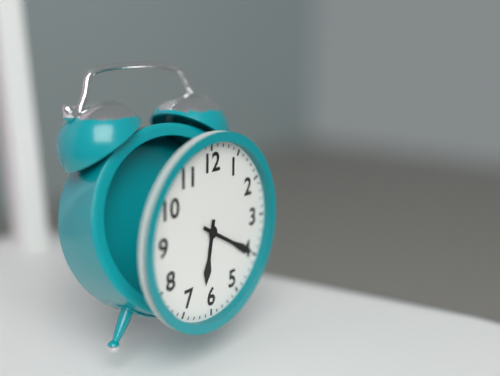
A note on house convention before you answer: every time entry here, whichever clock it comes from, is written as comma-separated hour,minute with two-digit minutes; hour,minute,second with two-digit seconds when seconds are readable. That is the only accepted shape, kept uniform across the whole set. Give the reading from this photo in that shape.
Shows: 6,20
